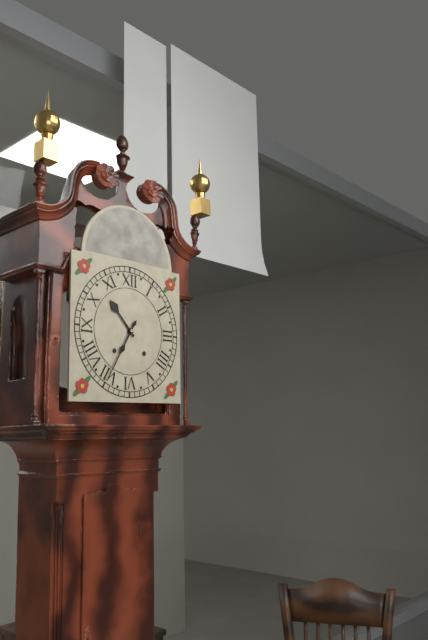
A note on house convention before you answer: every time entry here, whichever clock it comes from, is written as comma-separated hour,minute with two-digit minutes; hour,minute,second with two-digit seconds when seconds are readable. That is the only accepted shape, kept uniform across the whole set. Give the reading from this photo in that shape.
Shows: 10,35
